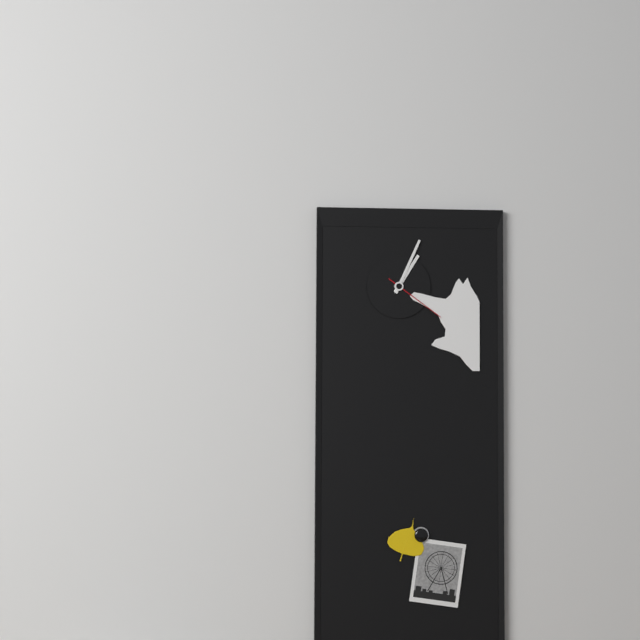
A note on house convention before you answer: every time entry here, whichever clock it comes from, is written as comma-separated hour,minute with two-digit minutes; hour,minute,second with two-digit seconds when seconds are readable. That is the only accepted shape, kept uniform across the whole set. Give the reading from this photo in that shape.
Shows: 1,04,21
